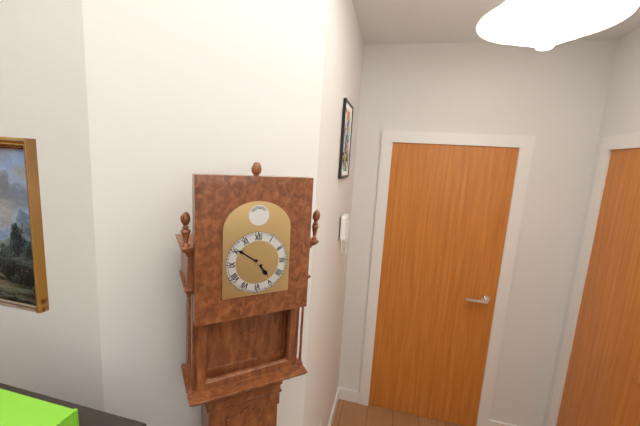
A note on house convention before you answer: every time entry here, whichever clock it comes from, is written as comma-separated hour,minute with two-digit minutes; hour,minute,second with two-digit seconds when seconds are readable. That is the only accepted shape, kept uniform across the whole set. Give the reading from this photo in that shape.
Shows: 4,51
